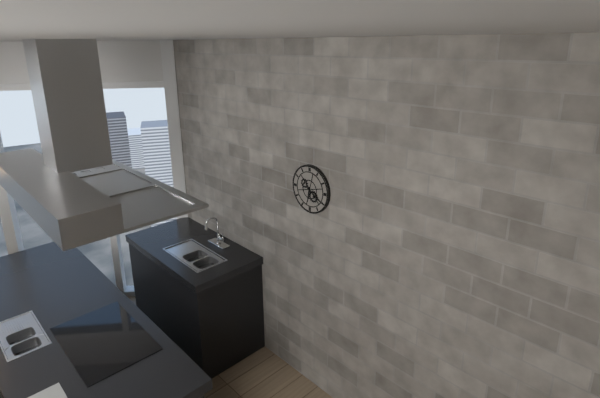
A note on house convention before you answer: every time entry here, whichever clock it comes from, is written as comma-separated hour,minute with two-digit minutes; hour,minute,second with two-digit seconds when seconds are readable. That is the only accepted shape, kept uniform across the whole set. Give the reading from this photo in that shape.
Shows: 6,20
